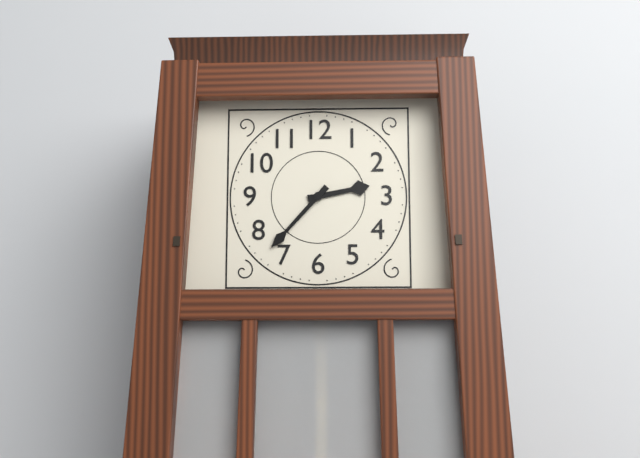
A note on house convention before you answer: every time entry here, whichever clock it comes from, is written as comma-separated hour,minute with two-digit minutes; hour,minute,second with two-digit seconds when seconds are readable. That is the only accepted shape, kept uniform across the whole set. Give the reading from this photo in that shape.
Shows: 2,37
